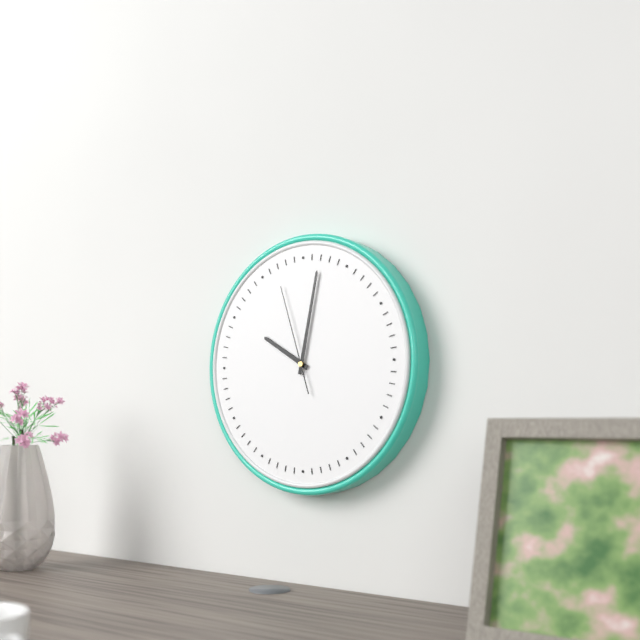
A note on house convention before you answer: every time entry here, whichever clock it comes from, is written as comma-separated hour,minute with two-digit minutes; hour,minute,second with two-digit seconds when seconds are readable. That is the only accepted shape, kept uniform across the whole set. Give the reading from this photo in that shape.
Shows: 10,02,57
